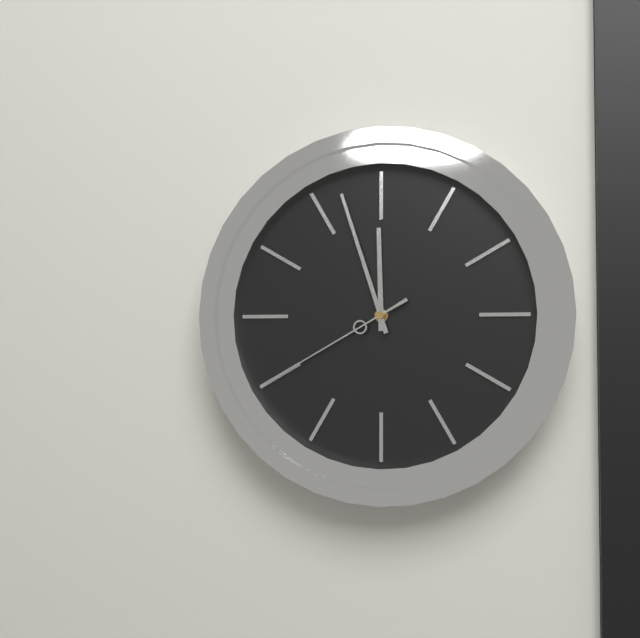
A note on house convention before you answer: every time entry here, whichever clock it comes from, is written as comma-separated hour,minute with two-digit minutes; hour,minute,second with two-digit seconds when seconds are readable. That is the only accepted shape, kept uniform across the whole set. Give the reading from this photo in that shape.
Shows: 11,57,40
